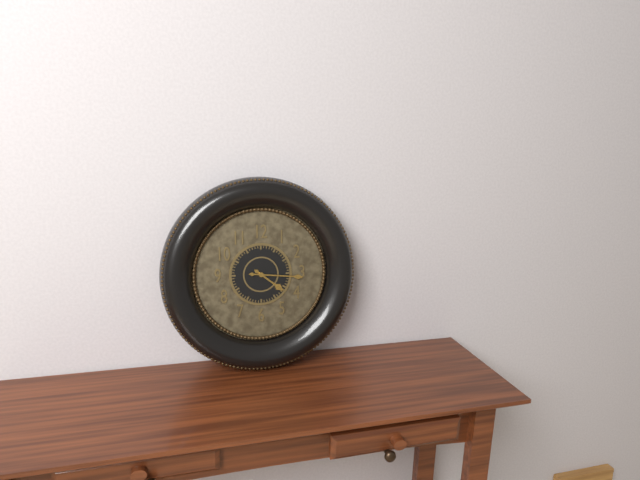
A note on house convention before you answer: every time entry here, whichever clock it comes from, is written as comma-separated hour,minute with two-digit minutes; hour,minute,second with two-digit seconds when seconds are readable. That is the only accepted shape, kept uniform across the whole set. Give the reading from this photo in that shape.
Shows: 4,16
